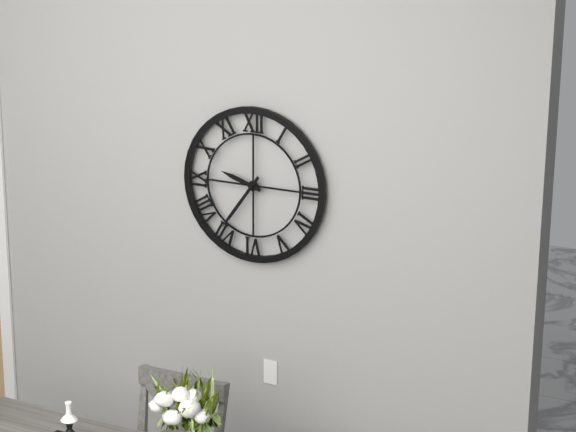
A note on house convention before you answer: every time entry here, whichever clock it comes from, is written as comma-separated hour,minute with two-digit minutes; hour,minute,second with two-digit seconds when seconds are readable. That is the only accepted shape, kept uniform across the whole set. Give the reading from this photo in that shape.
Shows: 9,36
